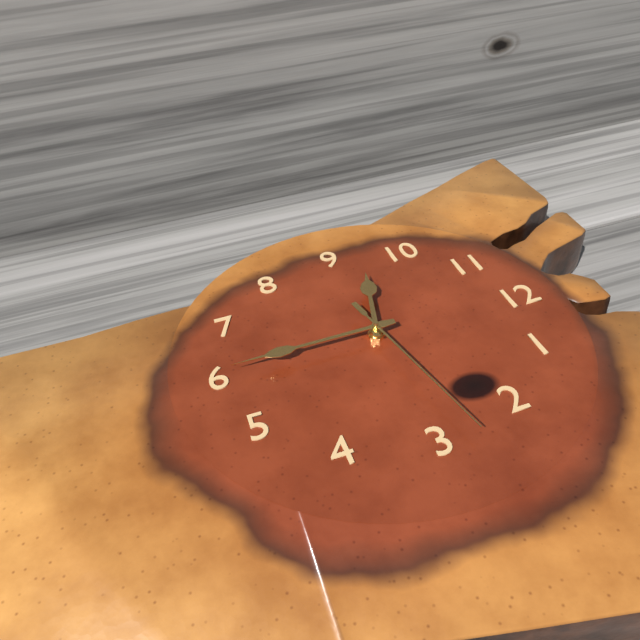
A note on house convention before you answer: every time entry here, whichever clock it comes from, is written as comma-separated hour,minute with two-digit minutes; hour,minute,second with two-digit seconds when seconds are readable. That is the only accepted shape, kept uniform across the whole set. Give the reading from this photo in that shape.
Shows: 9,30,13
